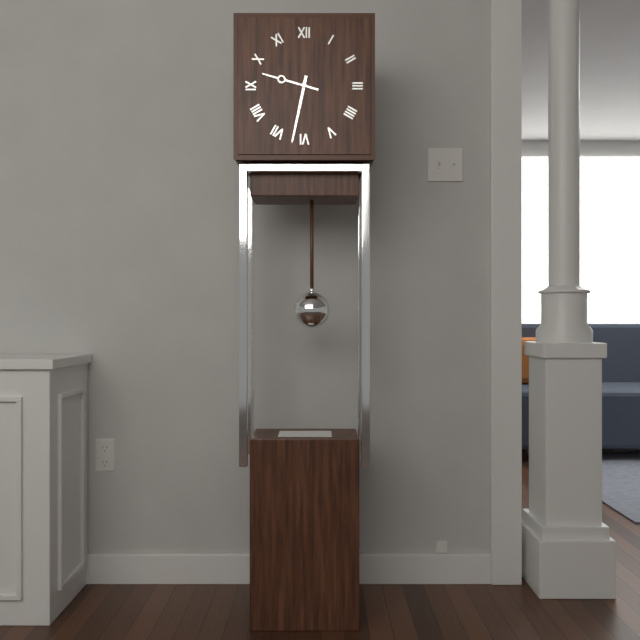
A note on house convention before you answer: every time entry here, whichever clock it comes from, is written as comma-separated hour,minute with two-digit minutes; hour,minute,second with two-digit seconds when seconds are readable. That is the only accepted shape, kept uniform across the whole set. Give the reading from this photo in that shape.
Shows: 9,32
